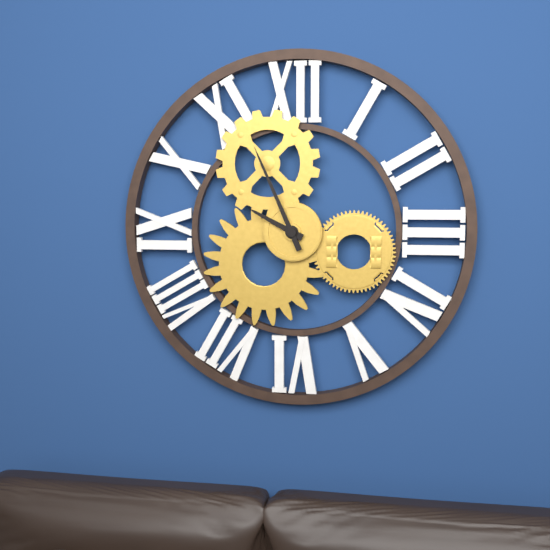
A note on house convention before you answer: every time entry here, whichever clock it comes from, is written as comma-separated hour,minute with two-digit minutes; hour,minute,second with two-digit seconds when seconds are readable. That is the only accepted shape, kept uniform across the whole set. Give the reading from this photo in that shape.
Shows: 9,56
